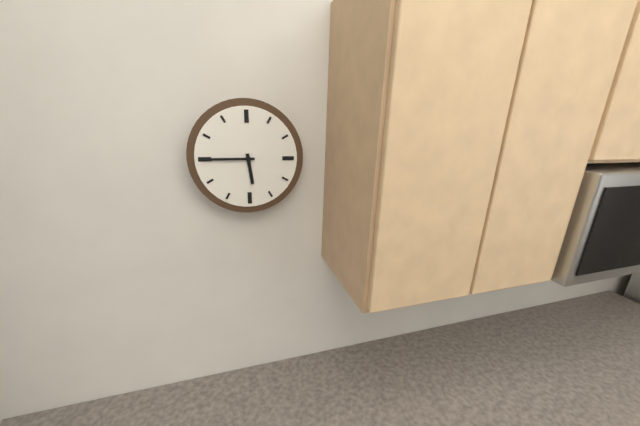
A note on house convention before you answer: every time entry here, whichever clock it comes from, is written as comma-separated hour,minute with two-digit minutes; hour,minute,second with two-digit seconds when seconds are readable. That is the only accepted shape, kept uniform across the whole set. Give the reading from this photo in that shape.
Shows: 5,45
